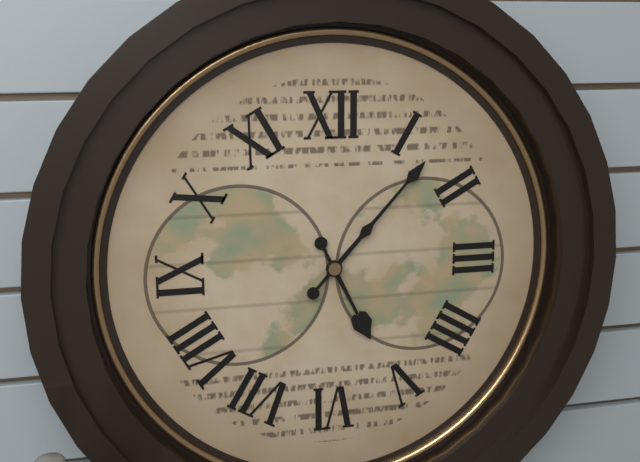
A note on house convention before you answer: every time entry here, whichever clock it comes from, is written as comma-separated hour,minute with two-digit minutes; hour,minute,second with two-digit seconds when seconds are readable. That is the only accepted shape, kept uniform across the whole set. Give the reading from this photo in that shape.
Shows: 5,07
